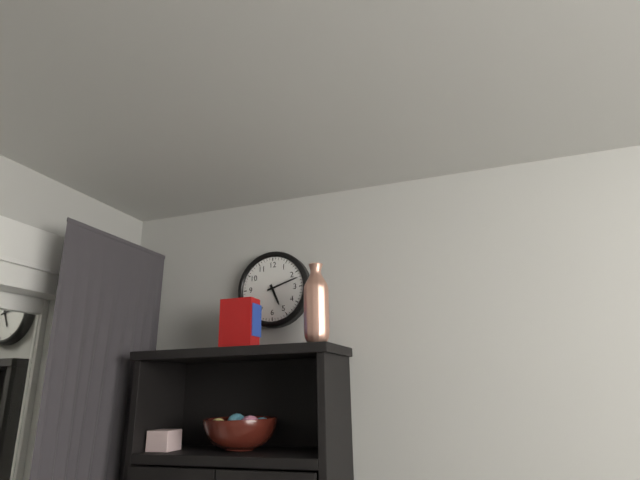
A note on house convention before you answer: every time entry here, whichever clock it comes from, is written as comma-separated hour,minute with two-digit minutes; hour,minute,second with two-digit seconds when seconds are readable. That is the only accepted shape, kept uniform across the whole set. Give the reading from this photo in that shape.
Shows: 5,12
